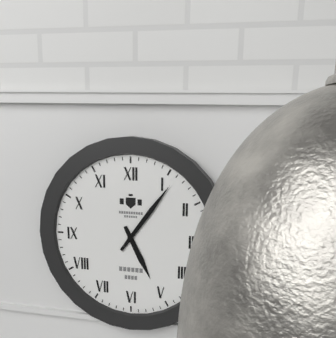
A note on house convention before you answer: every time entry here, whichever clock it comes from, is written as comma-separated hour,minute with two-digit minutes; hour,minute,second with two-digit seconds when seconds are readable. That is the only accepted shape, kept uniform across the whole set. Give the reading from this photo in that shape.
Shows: 5,06
